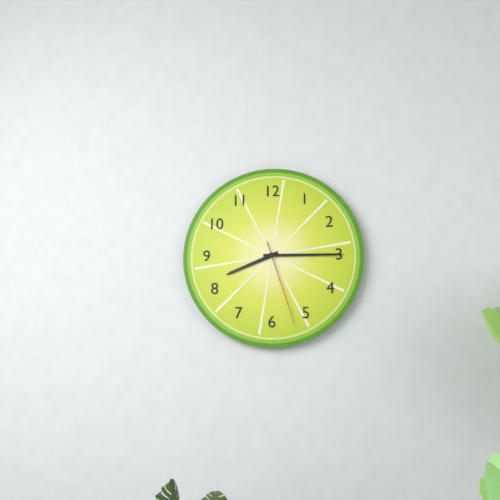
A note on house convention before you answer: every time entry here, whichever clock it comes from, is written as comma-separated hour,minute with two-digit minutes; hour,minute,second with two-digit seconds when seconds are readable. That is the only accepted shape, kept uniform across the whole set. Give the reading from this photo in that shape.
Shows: 8,15,27
